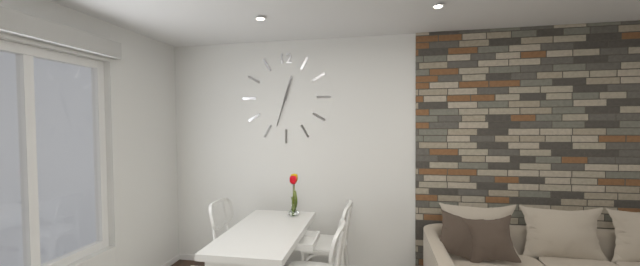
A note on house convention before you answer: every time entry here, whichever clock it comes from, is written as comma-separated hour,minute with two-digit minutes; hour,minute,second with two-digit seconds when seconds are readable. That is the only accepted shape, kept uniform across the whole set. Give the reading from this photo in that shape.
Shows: 12,33
